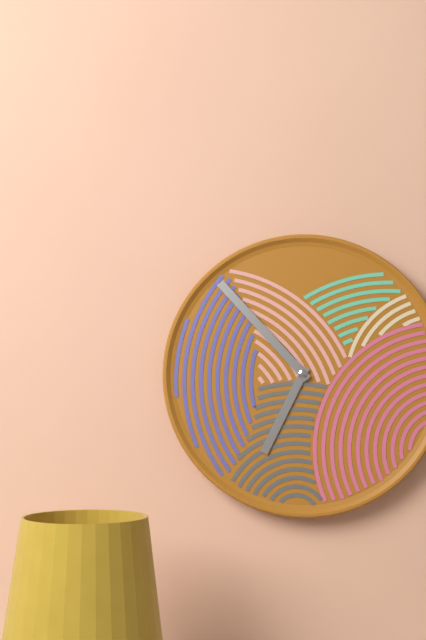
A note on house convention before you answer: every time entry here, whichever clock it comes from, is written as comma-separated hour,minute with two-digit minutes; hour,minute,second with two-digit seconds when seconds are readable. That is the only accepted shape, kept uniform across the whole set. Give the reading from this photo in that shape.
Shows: 6,53
